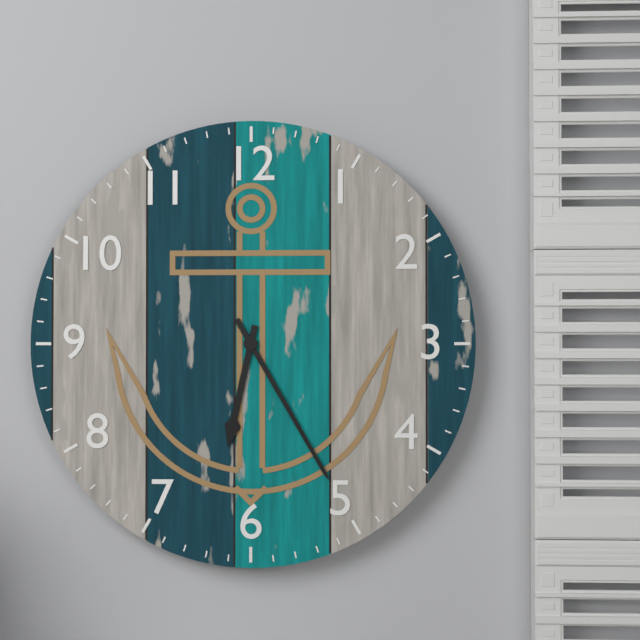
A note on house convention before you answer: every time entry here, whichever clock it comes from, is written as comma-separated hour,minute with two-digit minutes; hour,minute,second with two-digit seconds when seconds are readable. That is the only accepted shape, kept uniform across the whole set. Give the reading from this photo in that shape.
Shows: 6,25
